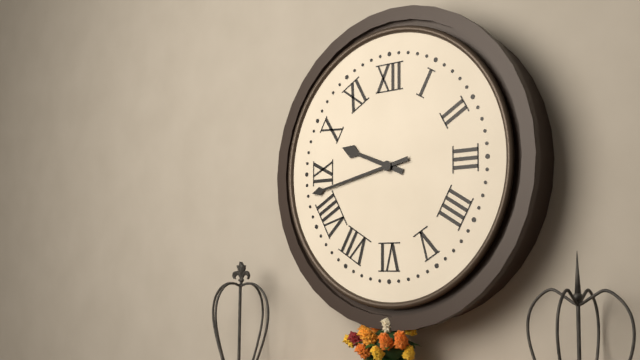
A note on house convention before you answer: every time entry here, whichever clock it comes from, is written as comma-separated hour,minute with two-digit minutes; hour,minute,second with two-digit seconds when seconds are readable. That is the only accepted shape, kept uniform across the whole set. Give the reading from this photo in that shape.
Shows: 9,43
